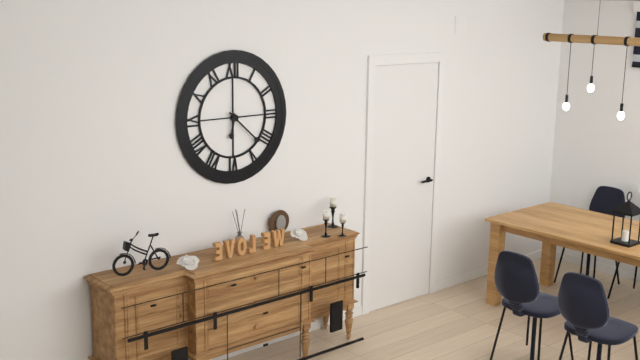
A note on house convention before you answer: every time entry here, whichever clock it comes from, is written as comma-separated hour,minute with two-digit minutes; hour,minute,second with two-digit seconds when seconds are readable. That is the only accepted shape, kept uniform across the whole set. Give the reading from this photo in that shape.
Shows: 6,22
